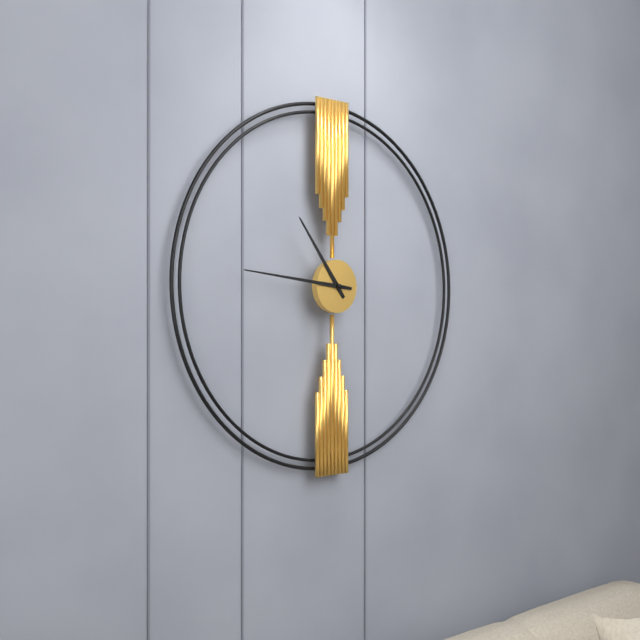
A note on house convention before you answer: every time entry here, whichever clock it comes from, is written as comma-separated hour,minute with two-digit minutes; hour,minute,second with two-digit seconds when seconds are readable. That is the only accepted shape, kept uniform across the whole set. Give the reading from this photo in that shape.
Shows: 10,46
